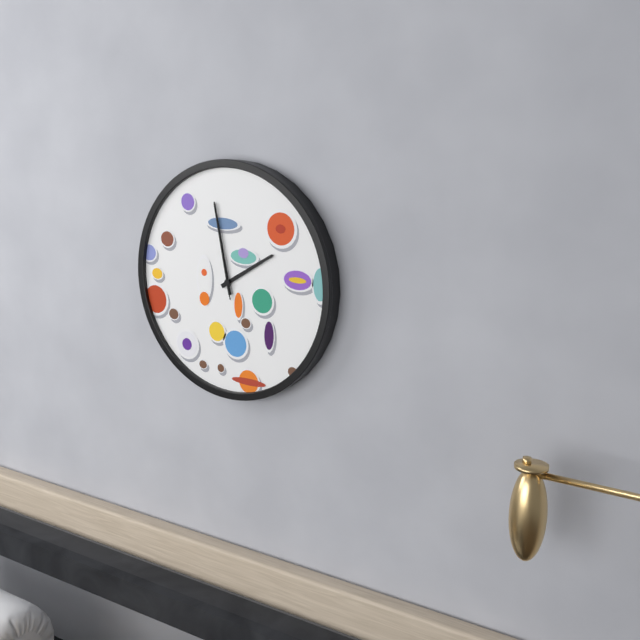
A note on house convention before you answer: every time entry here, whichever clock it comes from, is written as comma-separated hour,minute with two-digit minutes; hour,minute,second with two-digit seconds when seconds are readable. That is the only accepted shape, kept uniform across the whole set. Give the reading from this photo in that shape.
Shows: 1,58,58
